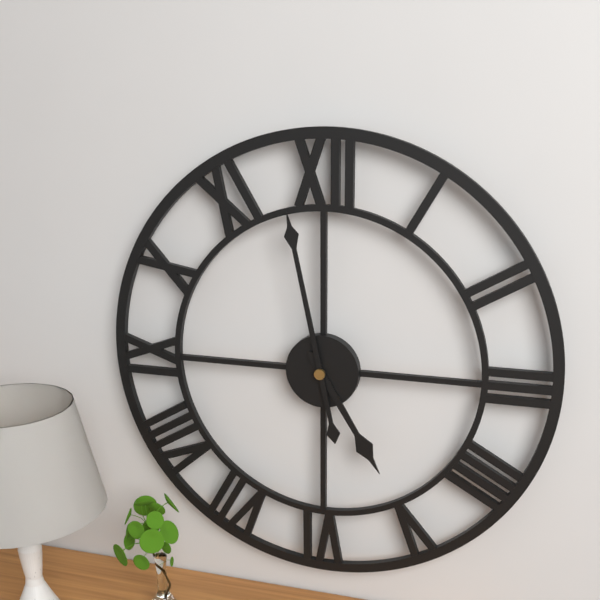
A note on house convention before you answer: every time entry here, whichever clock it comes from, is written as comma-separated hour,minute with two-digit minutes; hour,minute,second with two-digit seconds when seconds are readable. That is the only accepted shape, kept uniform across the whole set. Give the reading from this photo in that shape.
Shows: 4,58
